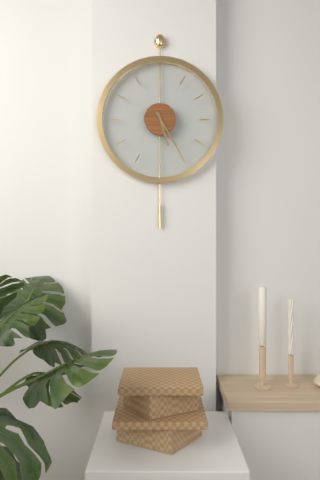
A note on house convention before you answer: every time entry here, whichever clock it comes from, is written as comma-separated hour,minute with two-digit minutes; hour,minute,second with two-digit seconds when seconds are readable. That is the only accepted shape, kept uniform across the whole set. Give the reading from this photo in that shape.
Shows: 5,25
